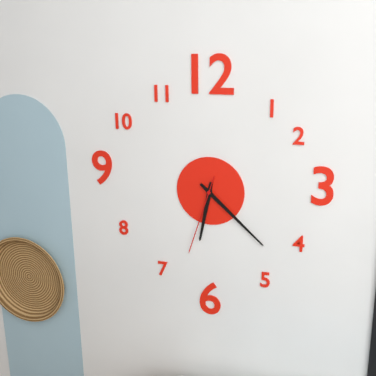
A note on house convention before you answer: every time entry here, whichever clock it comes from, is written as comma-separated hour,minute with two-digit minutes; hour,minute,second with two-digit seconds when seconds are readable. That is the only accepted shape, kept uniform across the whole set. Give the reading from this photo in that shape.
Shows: 6,22,33
